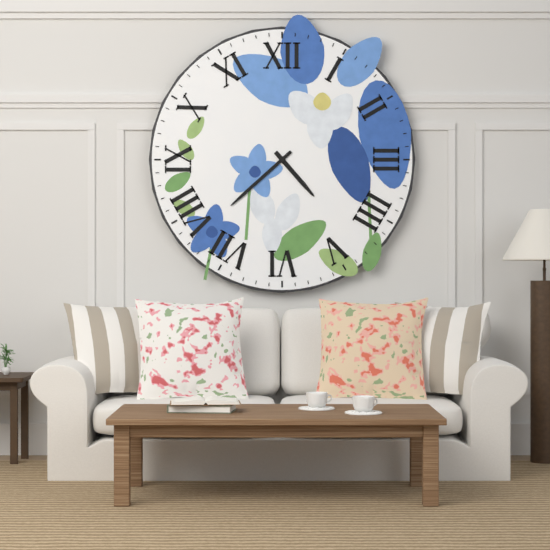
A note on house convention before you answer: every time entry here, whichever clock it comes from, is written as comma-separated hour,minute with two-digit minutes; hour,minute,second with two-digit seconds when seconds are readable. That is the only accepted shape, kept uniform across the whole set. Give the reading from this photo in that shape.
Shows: 4,38
